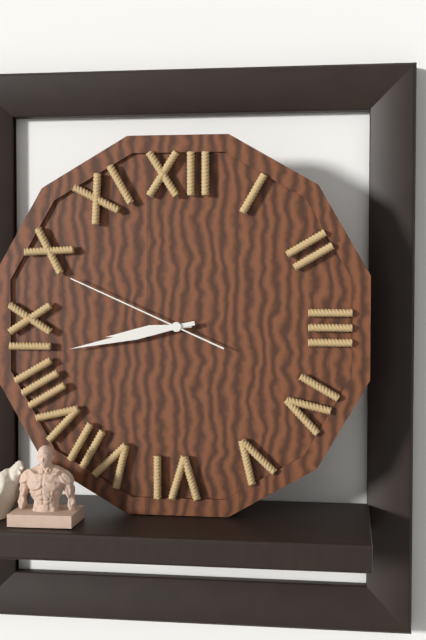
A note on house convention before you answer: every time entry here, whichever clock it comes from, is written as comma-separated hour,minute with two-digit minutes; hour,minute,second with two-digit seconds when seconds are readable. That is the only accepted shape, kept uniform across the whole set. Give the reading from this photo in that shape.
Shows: 8,43,49
